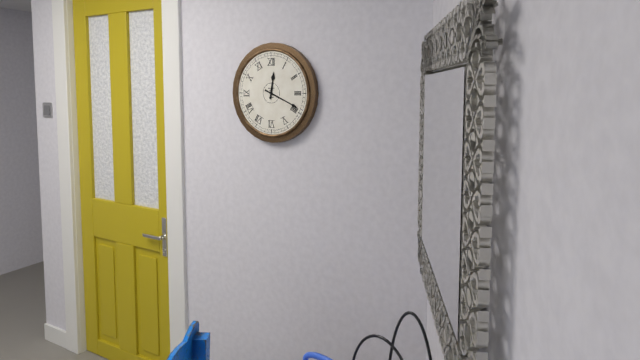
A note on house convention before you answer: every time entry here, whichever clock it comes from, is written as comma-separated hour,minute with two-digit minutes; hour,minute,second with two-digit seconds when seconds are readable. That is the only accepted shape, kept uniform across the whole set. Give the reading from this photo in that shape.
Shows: 12,19
